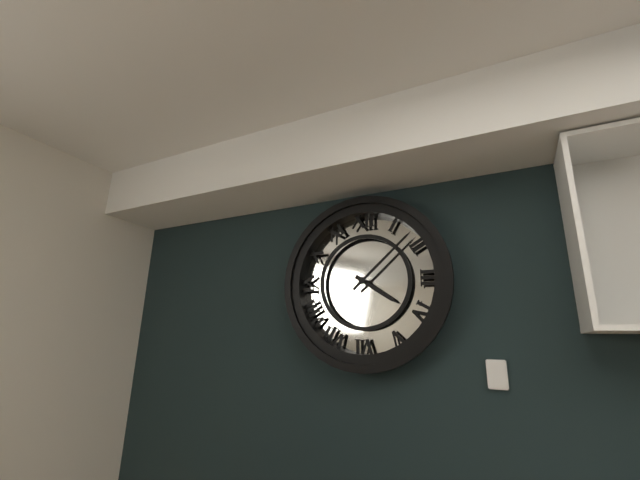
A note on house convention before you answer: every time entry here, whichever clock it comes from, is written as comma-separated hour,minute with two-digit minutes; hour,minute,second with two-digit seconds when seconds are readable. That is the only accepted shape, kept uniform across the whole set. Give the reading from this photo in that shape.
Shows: 4,08
